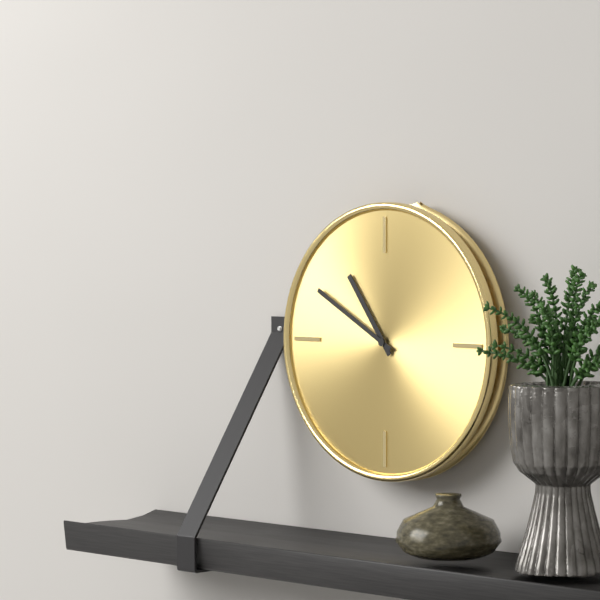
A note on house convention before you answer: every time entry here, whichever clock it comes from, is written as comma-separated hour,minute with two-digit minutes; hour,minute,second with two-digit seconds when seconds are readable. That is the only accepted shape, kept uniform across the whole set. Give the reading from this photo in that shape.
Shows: 10,50
